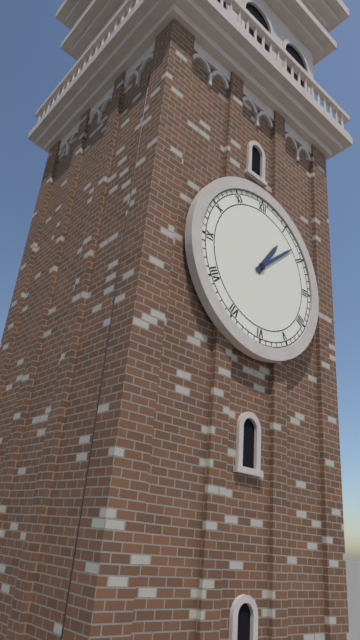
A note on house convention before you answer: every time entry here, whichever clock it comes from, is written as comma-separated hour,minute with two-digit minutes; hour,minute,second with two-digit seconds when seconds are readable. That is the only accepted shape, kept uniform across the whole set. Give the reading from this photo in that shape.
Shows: 1,08
